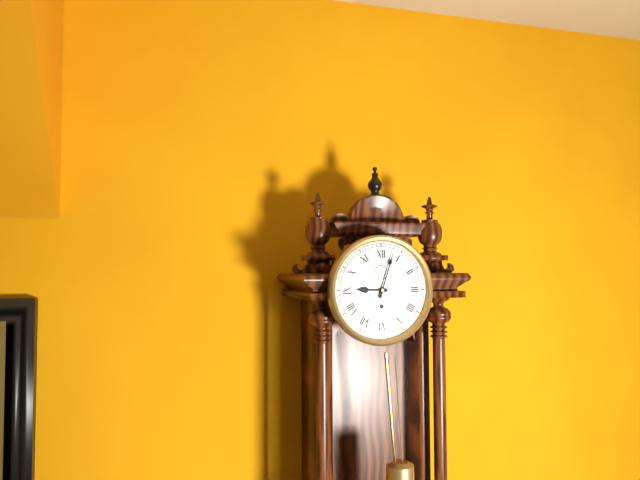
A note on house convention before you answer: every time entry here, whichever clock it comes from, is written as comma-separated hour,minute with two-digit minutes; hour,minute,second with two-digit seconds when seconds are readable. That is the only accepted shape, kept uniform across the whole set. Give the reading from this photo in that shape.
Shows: 9,03
